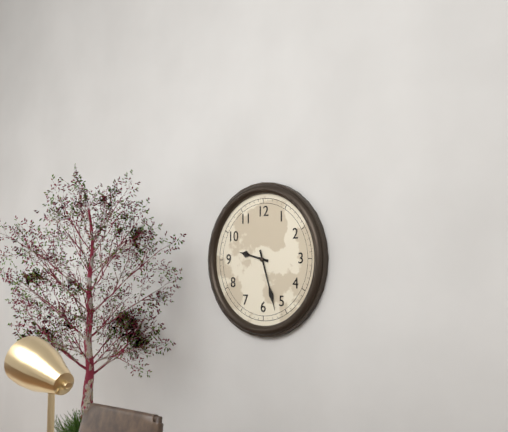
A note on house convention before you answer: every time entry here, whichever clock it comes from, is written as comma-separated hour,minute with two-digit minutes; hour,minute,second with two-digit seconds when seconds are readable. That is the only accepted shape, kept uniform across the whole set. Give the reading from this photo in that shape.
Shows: 9,27
